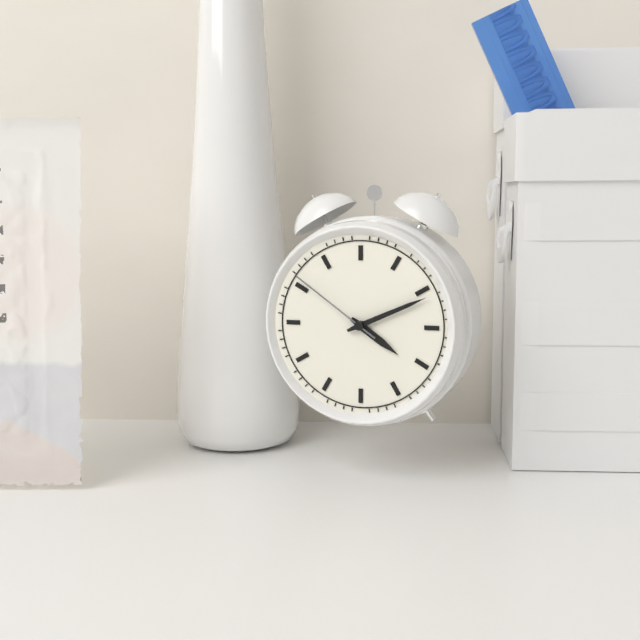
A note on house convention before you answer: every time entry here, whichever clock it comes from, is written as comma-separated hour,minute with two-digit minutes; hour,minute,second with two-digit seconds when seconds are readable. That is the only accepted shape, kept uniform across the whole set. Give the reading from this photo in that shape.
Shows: 4,11,51
